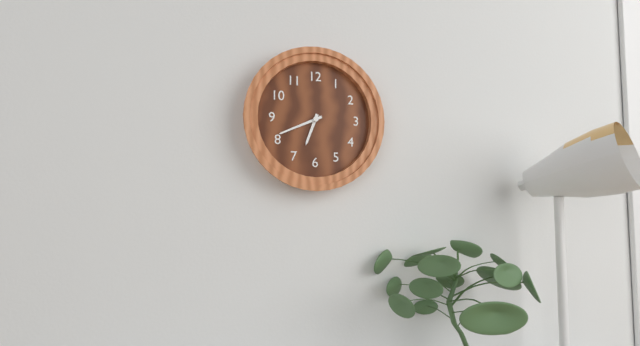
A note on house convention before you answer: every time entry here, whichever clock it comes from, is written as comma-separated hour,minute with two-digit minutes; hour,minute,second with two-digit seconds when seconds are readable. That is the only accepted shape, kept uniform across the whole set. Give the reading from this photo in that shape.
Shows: 6,41
